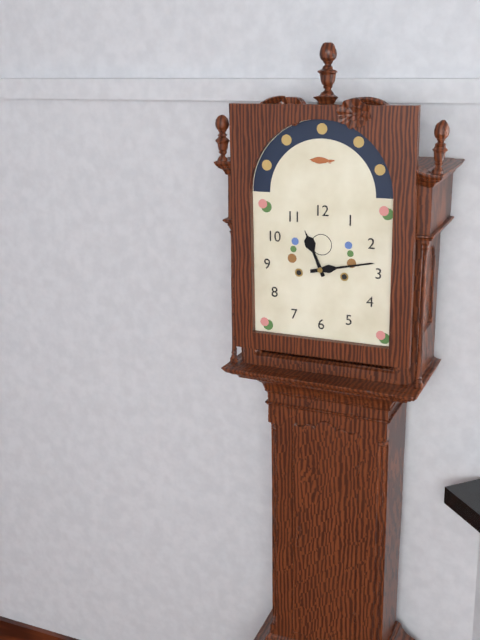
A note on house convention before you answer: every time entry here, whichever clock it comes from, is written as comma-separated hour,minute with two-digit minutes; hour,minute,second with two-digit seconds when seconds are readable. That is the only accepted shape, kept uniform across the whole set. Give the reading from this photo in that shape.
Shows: 11,13
